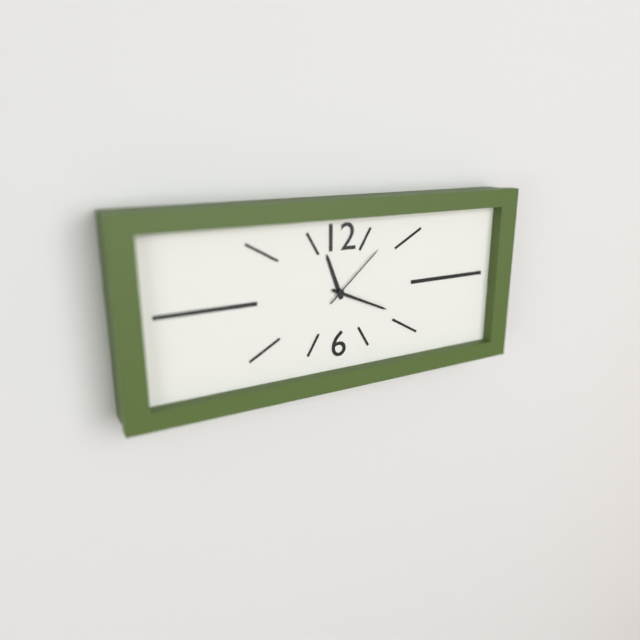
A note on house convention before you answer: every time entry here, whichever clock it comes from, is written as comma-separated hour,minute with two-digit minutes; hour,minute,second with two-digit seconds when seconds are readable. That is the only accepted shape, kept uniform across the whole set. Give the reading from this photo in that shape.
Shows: 11,19,08
